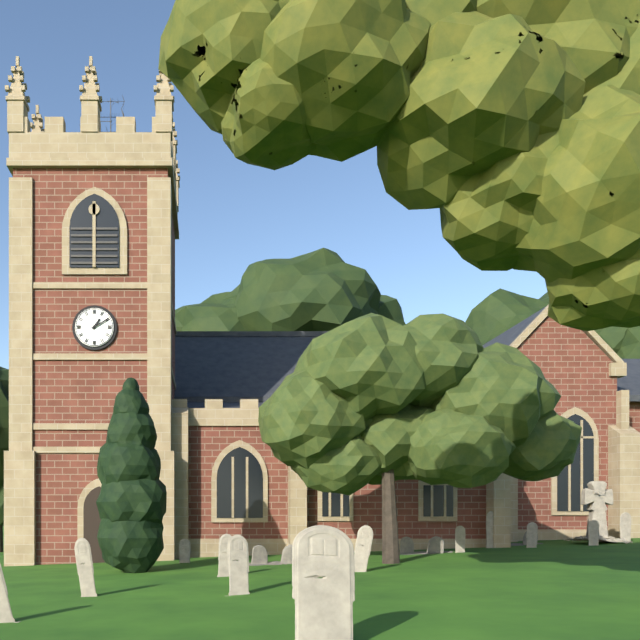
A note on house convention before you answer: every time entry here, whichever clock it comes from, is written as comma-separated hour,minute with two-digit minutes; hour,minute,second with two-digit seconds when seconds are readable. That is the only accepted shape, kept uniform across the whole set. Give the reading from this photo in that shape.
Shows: 1,10
